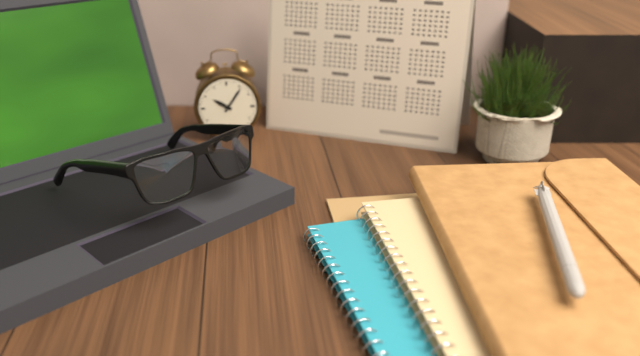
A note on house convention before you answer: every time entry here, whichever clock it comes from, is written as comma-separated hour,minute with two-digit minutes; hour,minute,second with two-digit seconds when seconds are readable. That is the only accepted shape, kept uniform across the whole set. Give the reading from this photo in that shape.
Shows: 10,06
